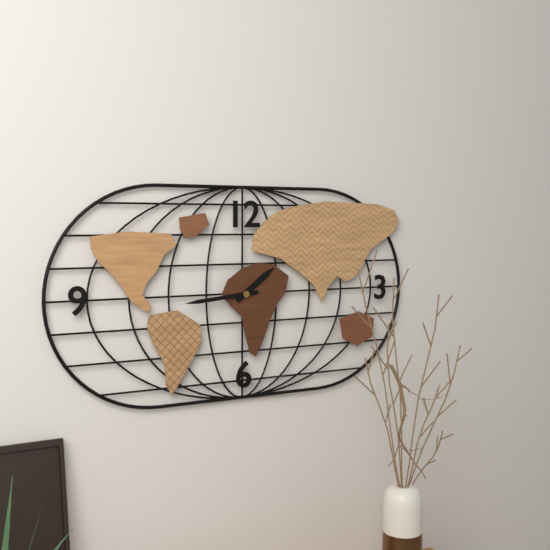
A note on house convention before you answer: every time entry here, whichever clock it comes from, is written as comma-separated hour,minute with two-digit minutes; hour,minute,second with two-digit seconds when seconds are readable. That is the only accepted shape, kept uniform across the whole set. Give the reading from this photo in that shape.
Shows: 1,44
